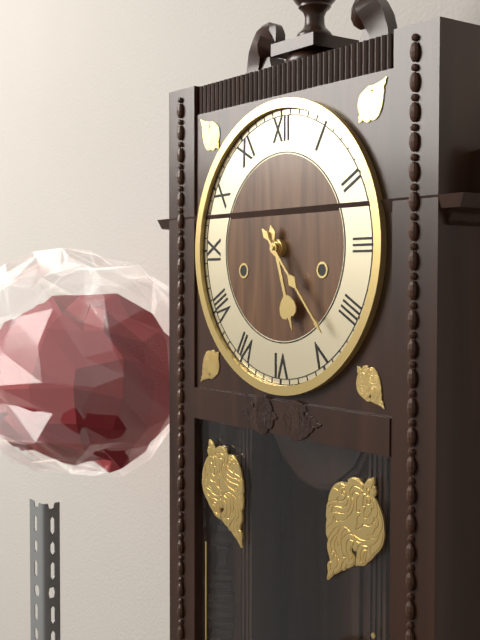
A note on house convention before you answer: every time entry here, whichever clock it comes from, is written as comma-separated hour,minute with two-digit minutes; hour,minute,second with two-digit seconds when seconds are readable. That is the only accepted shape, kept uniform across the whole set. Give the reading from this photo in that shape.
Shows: 5,23
